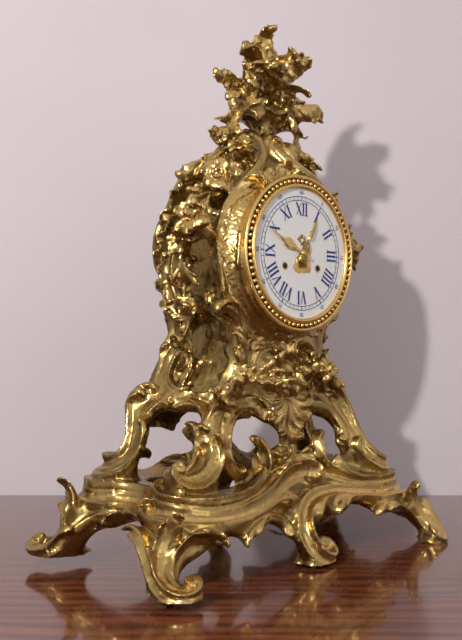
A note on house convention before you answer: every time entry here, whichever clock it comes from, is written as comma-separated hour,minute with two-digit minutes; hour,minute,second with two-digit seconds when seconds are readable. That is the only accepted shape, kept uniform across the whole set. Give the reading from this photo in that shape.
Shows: 9,49
